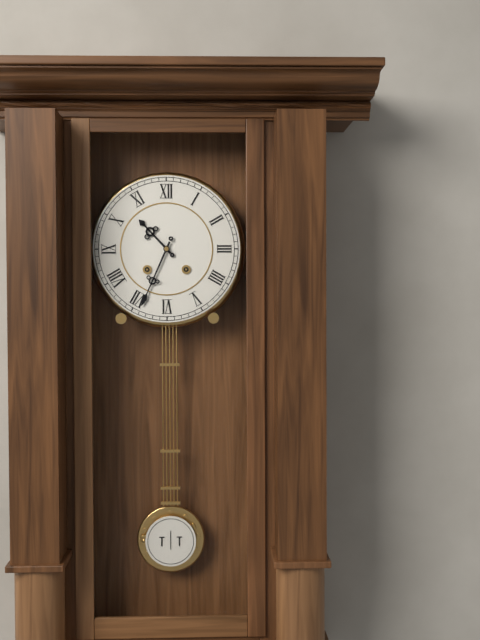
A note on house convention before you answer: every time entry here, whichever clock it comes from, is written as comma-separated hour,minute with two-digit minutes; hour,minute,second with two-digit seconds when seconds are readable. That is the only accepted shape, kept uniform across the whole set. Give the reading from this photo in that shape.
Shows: 10,34
